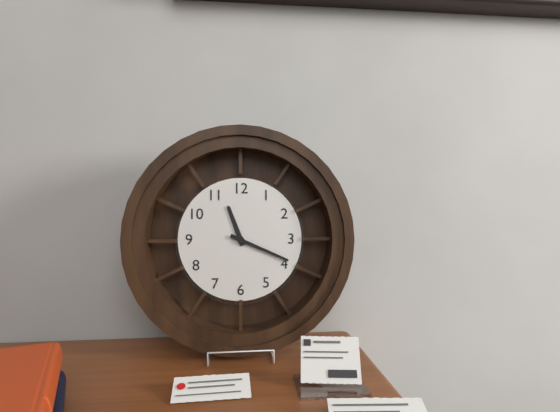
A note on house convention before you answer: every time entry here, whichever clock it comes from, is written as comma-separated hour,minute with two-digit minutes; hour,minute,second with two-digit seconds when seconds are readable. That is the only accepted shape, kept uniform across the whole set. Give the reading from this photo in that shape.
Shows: 11,19
